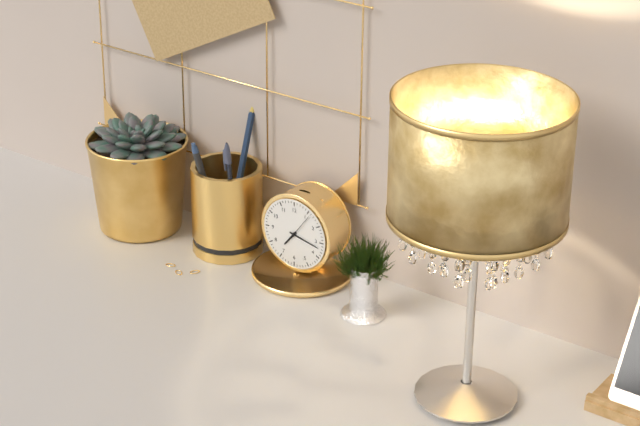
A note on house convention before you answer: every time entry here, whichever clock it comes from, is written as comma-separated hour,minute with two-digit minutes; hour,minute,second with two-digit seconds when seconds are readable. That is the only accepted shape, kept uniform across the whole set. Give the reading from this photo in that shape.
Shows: 7,17
